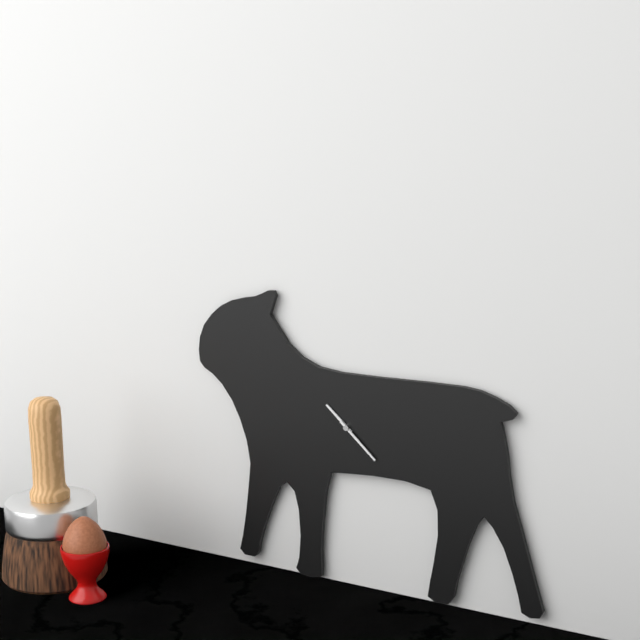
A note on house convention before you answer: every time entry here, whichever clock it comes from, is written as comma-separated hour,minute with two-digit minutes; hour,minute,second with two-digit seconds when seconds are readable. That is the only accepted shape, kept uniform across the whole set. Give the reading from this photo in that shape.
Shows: 10,22
